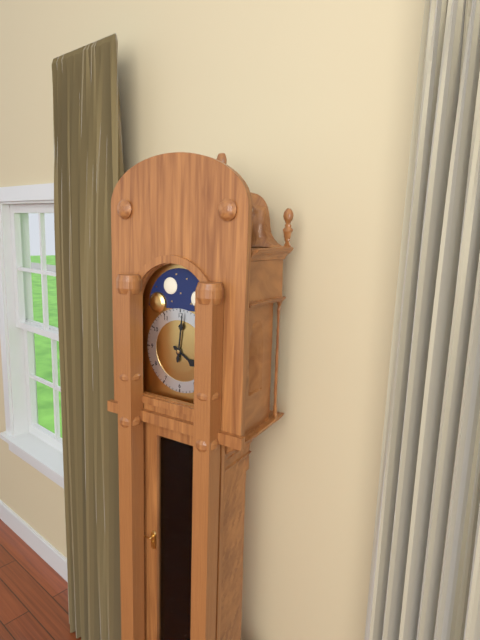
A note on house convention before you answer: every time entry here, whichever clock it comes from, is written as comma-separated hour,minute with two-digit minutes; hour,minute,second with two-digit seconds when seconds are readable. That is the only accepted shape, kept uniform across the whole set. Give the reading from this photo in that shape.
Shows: 4,01
